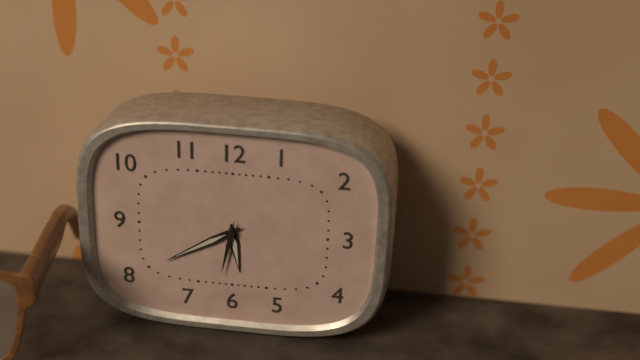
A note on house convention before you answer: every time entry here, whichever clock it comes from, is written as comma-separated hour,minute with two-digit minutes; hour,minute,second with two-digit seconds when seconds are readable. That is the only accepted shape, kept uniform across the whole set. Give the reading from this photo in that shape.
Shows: 5,40,32
